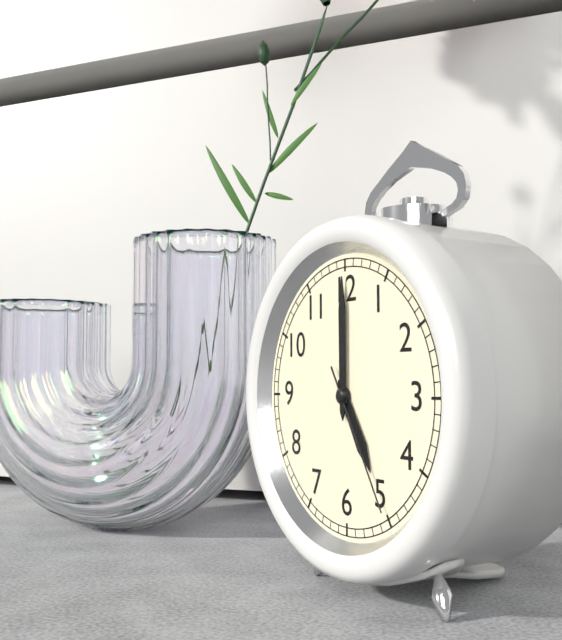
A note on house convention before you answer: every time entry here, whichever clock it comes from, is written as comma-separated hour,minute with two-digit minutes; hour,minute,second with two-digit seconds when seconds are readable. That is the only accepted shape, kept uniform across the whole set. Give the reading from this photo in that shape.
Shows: 5,00,25
